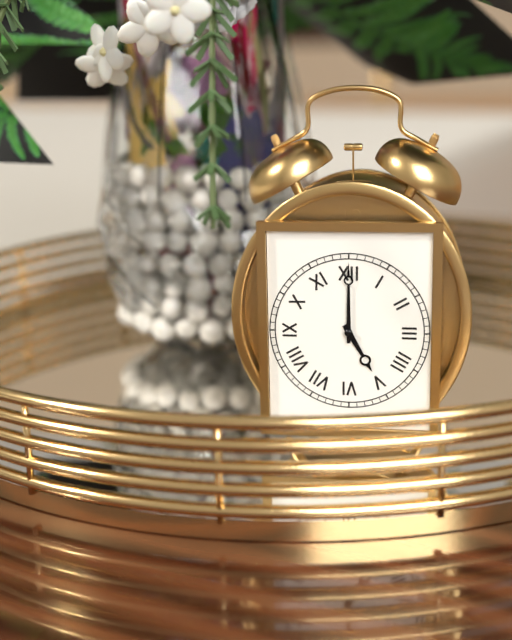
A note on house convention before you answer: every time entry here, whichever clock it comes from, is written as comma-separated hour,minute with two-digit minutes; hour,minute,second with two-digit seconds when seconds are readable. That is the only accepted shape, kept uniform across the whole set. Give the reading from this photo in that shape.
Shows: 5,00
